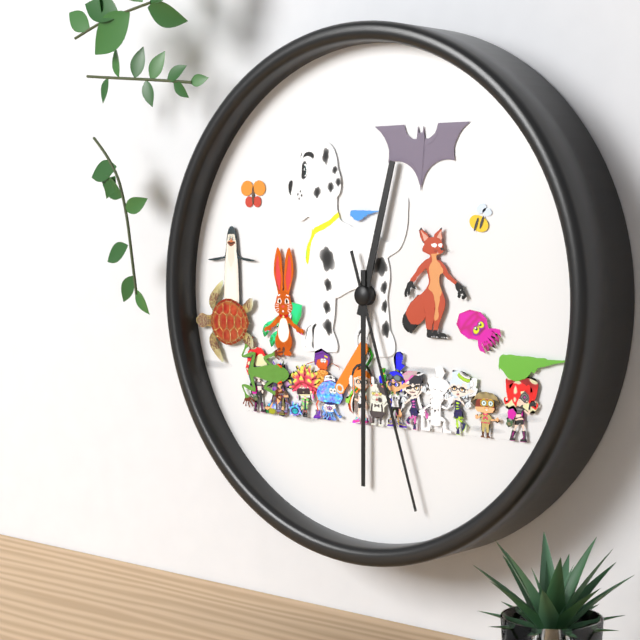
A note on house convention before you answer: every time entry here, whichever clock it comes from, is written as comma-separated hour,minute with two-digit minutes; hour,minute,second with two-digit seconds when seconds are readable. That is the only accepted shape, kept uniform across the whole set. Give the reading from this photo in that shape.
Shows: 12,30,27
